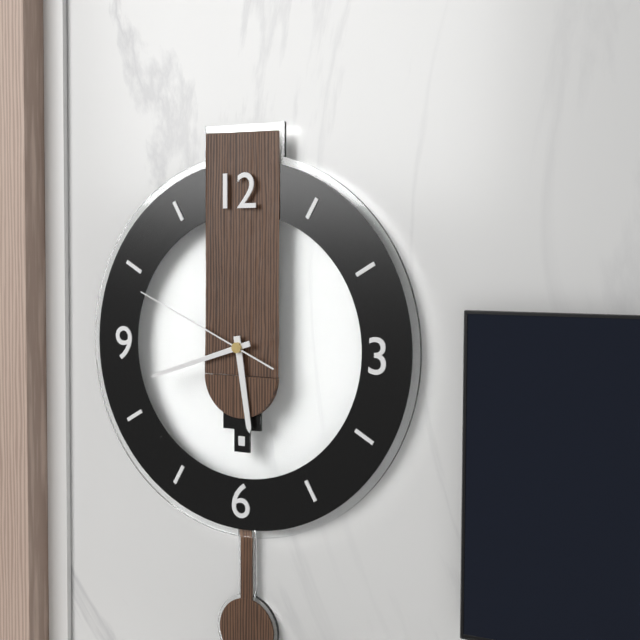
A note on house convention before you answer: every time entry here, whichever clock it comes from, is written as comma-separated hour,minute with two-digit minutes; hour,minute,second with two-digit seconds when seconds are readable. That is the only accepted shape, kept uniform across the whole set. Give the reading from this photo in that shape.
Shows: 5,42,49
